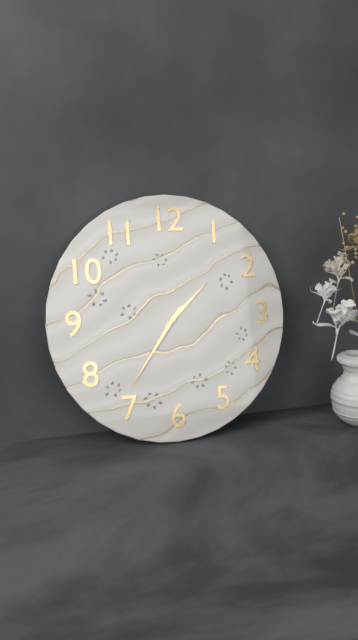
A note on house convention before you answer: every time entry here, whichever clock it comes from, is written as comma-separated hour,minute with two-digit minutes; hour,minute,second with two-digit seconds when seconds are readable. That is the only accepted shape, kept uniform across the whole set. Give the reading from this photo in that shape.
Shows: 1,36
